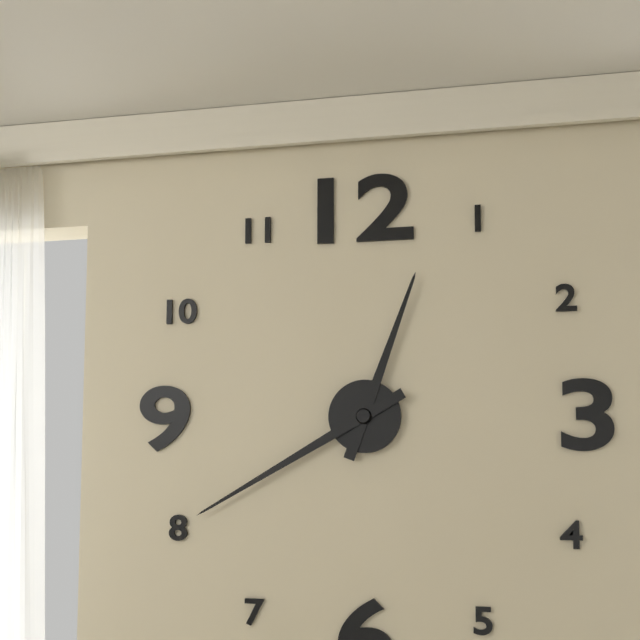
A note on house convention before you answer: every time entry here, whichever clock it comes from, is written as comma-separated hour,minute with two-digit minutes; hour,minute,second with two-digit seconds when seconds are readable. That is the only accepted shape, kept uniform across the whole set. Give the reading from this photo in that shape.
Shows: 12,40
